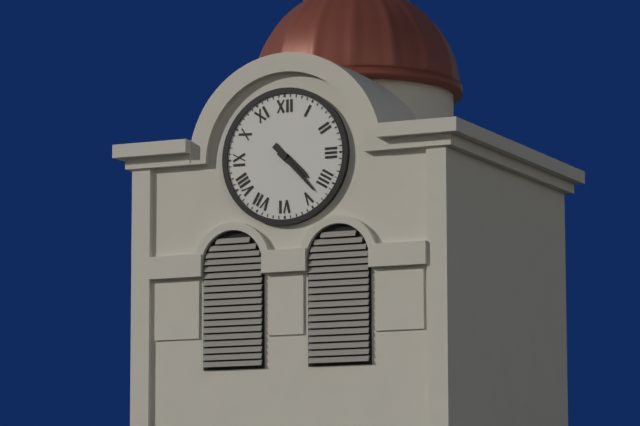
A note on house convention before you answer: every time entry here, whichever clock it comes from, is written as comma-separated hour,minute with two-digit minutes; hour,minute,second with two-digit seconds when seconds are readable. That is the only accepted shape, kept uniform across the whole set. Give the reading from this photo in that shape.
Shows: 4,23
